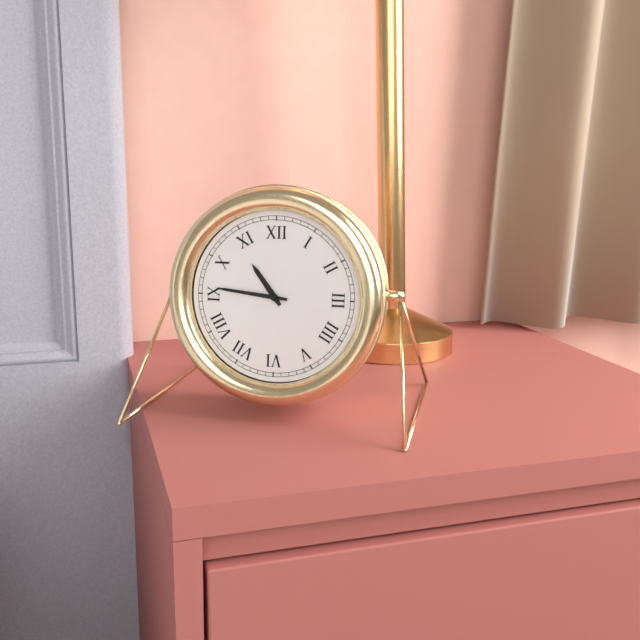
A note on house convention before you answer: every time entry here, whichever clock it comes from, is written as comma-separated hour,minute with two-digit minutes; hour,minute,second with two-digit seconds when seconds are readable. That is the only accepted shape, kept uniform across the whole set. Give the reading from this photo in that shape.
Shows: 10,46
